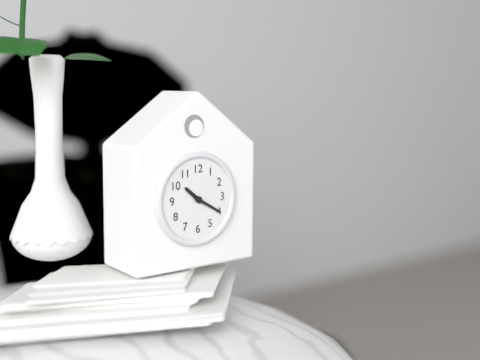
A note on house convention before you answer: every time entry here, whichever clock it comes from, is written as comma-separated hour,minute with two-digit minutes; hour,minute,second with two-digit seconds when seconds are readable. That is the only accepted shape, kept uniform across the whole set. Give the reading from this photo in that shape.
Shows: 10,20
